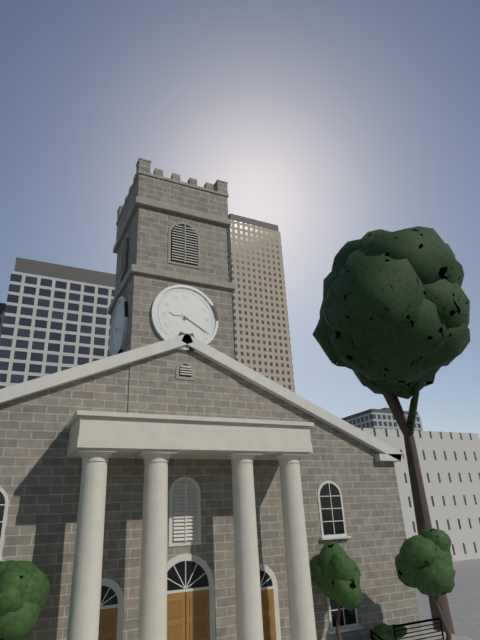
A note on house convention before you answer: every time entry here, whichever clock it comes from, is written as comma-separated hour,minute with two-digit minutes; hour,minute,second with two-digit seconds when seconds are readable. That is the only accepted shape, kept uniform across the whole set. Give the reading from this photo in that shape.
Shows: 9,20
